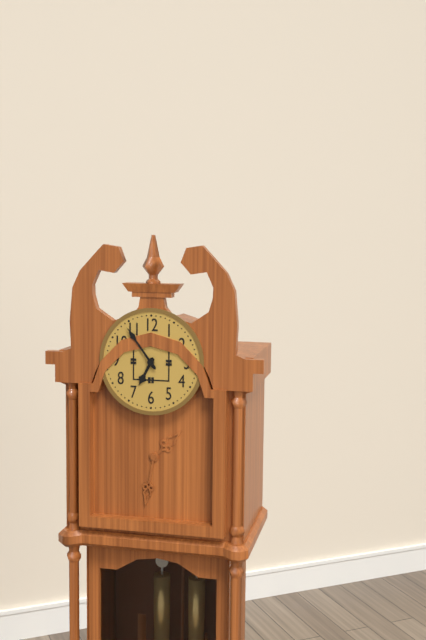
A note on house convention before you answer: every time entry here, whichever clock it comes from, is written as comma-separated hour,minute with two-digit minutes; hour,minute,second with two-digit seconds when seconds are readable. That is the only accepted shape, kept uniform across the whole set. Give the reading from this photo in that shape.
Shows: 6,54
